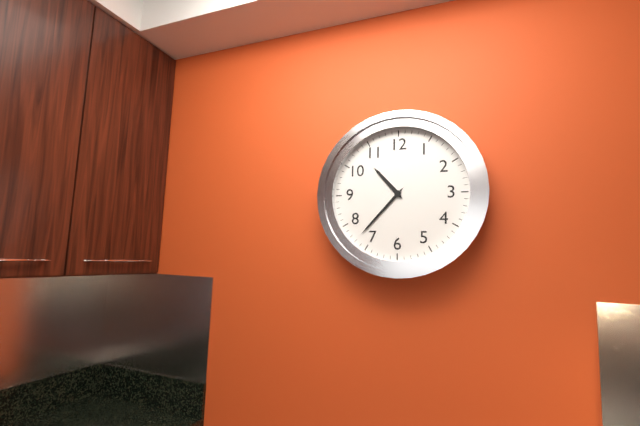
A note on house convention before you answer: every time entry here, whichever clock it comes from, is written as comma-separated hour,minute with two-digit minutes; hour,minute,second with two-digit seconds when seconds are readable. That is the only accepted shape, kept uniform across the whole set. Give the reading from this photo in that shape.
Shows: 10,37
